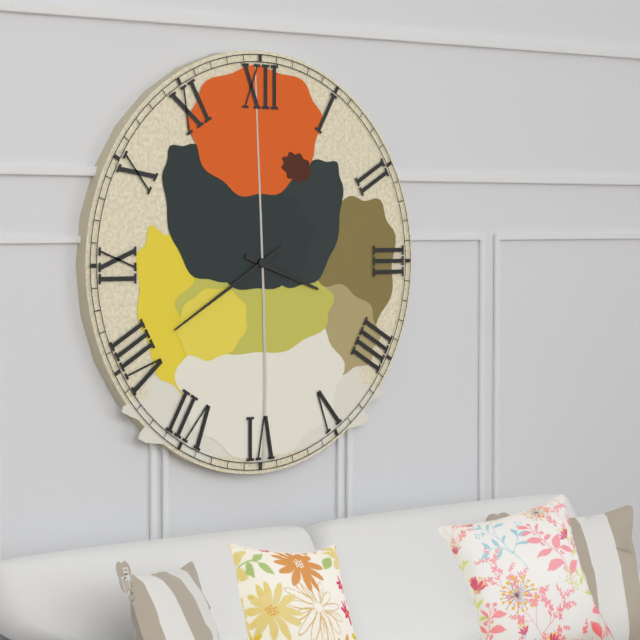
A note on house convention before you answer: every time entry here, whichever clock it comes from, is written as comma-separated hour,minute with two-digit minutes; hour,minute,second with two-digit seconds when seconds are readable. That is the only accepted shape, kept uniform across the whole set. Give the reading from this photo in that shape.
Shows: 3,40
